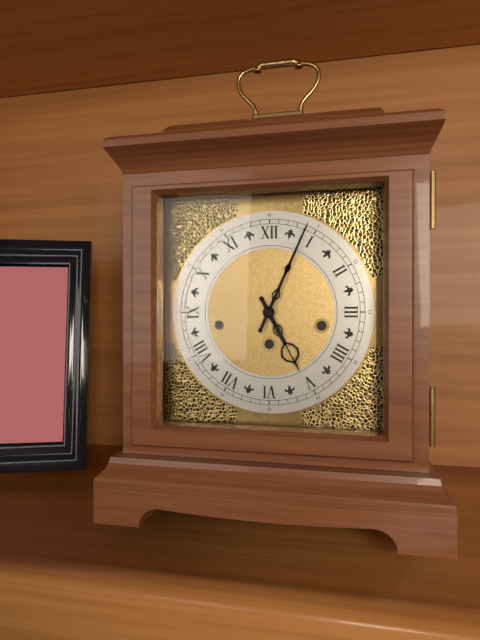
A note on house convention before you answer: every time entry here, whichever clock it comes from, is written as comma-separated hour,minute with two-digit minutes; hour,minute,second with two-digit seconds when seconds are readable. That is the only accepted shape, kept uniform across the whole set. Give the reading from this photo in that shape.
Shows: 5,04
